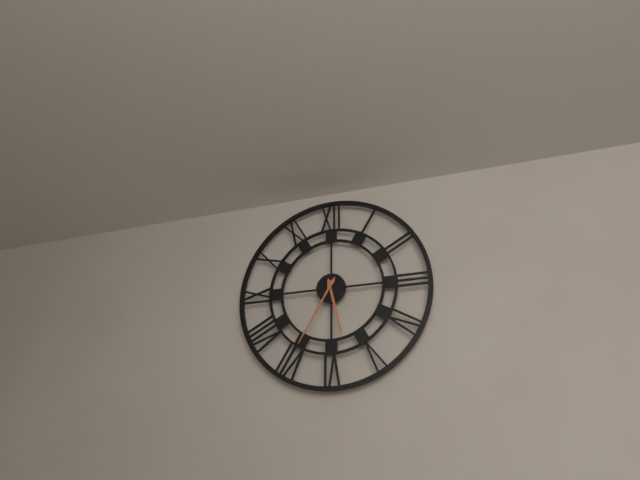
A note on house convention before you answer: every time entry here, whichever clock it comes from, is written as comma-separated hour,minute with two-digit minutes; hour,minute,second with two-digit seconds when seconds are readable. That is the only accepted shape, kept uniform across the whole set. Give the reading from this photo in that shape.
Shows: 5,35
